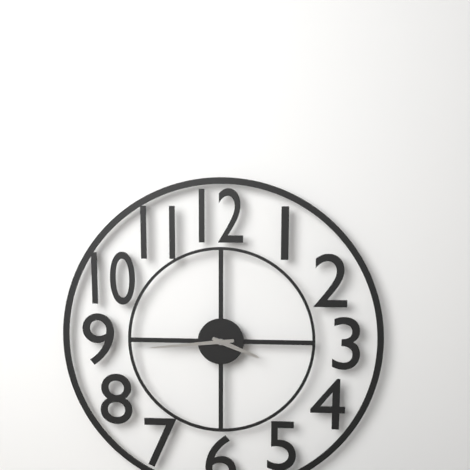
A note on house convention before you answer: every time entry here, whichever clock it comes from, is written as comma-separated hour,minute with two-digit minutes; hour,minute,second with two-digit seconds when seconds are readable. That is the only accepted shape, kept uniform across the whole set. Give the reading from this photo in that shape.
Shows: 3,44
